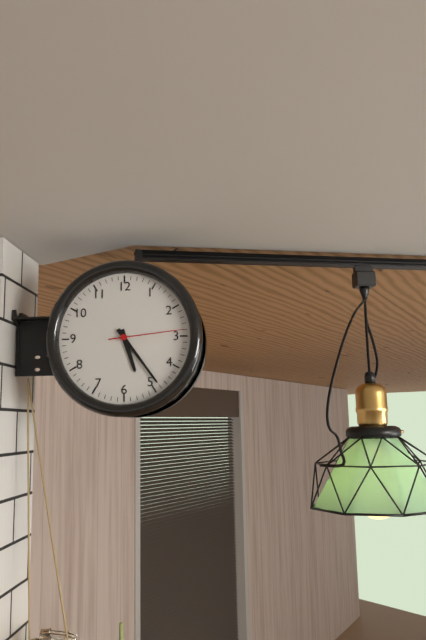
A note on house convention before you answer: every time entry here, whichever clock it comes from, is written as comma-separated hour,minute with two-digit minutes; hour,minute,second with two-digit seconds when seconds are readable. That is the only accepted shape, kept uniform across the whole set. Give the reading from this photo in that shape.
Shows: 5,24,14
